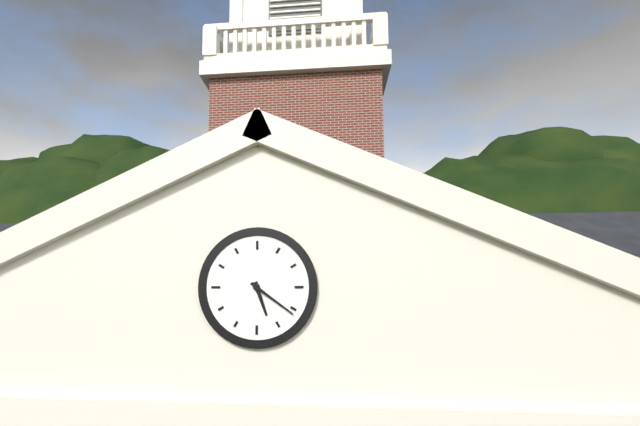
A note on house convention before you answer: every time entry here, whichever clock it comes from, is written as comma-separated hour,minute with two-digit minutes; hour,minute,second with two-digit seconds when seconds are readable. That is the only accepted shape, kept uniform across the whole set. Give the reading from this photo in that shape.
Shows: 5,21
